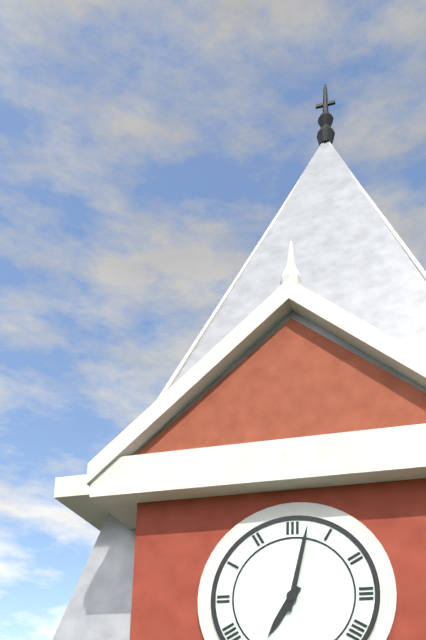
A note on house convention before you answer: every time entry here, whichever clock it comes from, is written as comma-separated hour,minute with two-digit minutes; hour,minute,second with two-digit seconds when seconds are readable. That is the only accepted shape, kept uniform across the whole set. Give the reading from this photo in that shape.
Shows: 7,02
